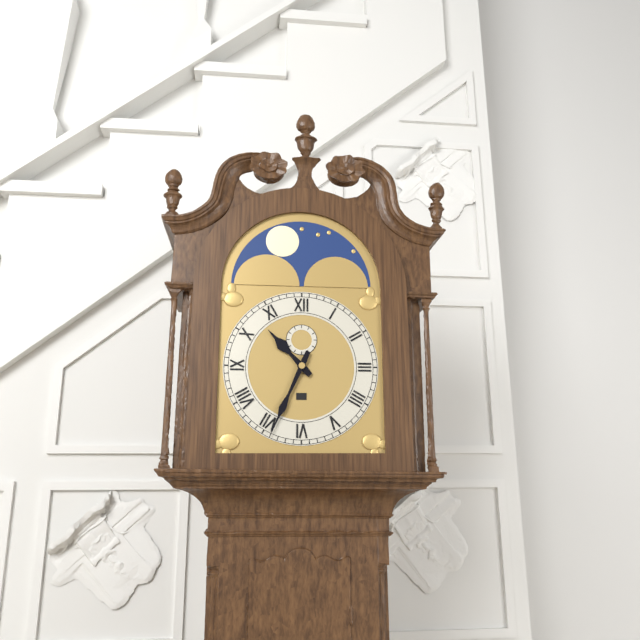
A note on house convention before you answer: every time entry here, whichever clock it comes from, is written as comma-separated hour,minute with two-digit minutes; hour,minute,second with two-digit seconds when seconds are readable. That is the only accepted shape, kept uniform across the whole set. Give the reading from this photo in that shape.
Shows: 10,34
